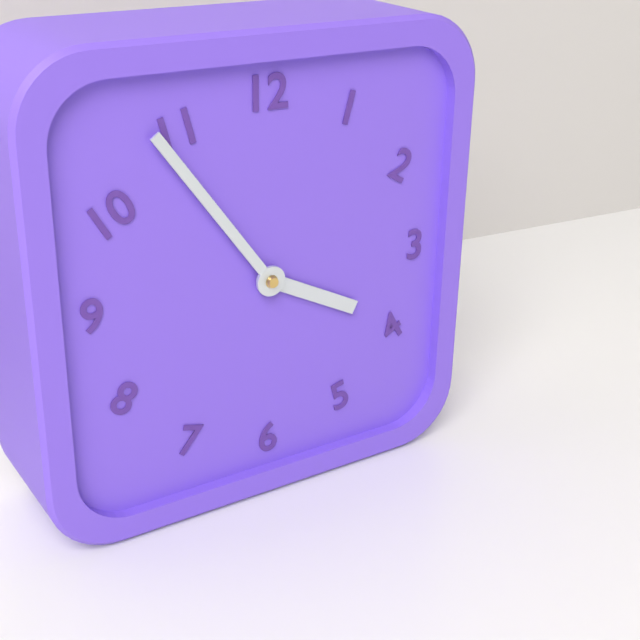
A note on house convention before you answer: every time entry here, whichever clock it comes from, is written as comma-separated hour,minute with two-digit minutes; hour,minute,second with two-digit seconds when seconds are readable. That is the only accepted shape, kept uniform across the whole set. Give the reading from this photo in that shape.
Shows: 3,54
